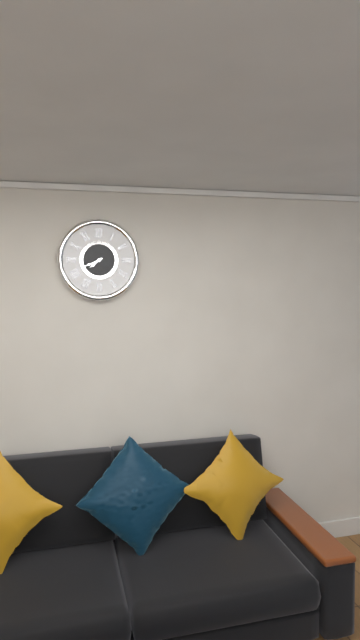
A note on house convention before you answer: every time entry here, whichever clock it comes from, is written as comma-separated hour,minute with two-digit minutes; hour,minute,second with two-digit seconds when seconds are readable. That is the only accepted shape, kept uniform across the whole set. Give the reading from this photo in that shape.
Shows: 7,41
